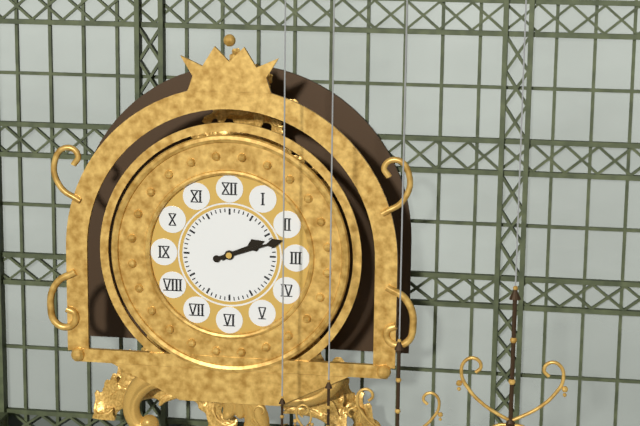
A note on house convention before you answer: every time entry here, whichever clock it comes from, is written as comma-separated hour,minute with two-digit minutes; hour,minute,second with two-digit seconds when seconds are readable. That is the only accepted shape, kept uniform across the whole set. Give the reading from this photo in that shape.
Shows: 2,12
